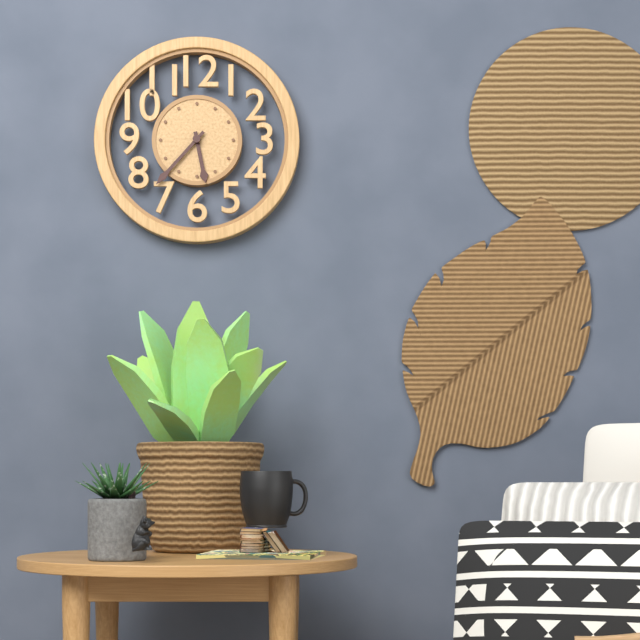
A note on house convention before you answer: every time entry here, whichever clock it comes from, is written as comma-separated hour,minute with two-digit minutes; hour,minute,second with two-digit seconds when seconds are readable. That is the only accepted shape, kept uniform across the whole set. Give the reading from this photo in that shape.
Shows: 5,37
